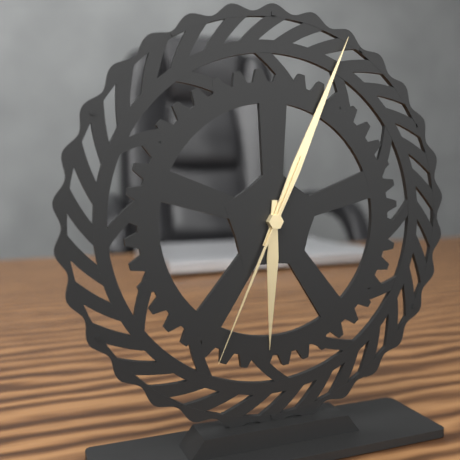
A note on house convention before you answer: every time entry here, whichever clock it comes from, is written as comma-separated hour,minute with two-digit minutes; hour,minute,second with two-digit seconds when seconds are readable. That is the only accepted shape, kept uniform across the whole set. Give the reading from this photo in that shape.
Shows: 6,04,34
